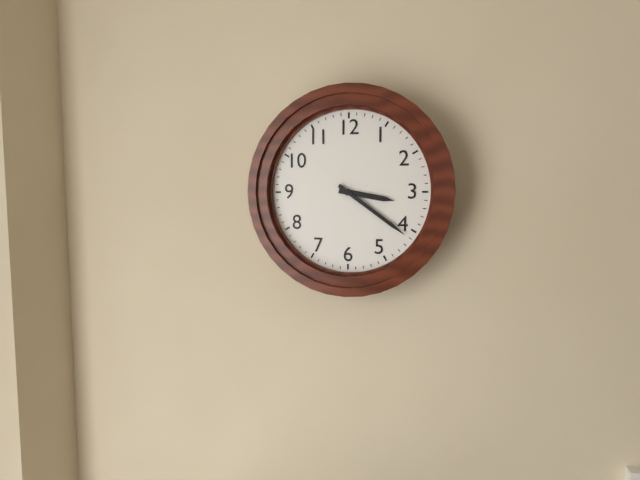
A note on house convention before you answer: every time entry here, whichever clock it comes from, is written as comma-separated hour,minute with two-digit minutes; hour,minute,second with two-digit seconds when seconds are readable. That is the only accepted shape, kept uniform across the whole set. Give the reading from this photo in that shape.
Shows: 3,21
